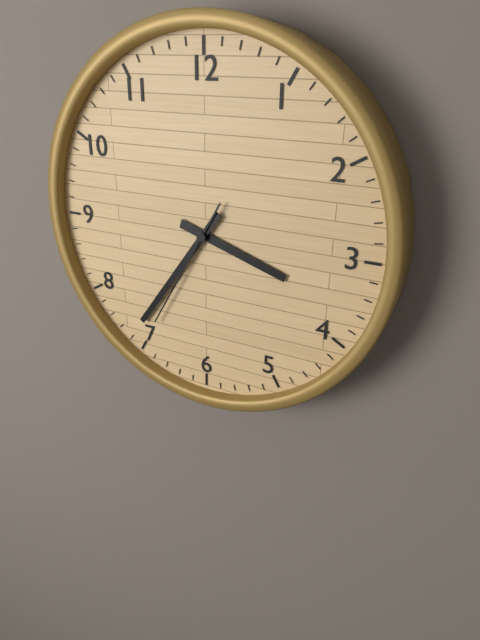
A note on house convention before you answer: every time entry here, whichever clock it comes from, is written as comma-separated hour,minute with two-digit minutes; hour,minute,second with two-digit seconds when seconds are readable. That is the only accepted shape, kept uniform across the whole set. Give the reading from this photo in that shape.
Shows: 3,36,35
